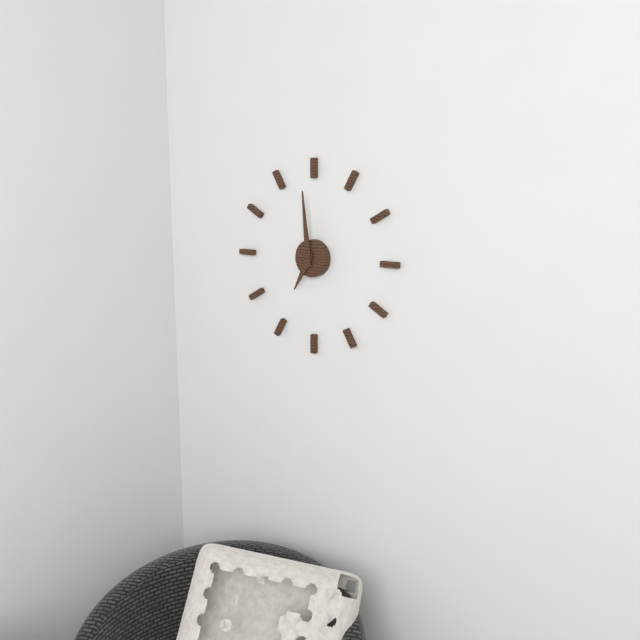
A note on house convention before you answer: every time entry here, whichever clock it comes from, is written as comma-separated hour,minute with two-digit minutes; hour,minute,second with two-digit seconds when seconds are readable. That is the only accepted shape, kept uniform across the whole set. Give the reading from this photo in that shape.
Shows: 6,59
